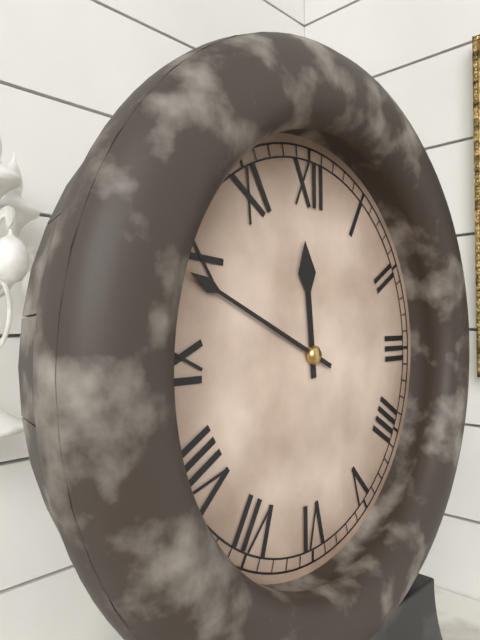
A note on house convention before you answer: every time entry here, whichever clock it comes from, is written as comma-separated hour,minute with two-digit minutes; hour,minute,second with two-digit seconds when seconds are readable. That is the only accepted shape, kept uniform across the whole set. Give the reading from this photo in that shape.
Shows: 11,49
